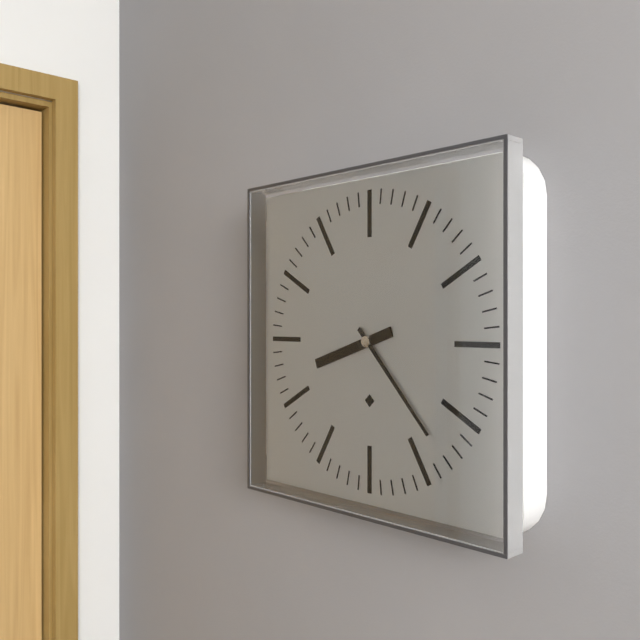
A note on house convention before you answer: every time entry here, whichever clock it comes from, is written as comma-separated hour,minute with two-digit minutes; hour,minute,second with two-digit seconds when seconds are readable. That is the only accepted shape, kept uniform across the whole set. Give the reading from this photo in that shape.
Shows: 8,23
